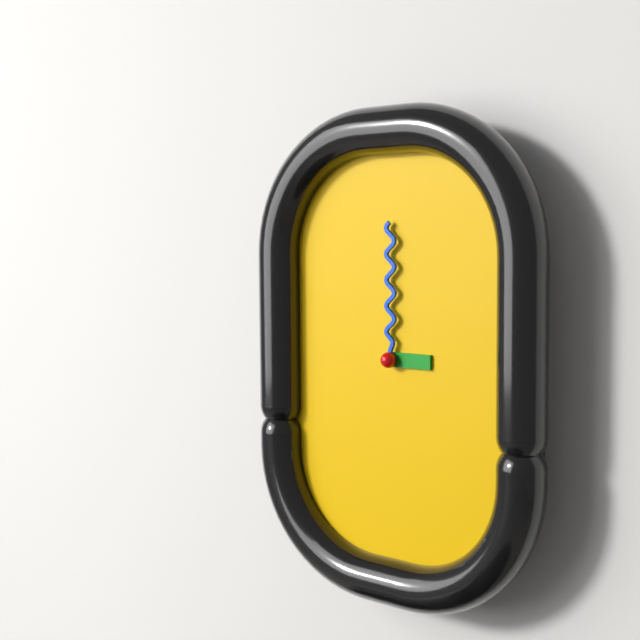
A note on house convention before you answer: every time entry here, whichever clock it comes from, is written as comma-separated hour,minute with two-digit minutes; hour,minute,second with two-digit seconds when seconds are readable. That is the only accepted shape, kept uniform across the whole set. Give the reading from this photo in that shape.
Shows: 3,00
